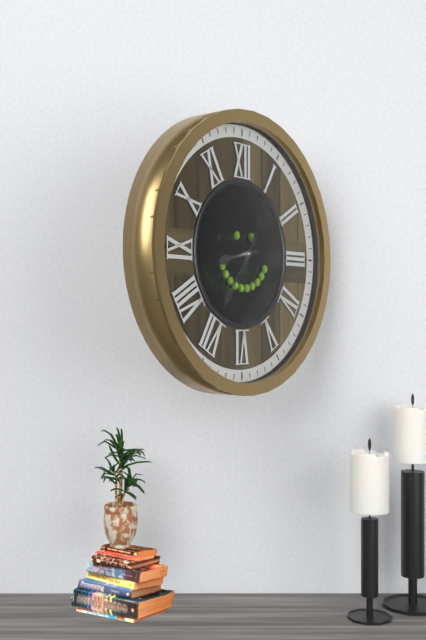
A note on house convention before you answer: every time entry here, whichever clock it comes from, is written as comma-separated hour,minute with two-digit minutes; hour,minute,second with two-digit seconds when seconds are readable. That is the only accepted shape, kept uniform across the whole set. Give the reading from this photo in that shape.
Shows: 8,36,04
